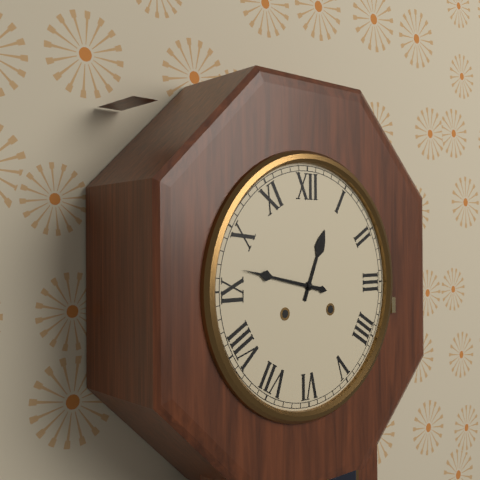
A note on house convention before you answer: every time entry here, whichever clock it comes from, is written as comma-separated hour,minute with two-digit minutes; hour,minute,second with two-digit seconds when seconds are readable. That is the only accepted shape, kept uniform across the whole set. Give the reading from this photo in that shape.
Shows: 12,47
